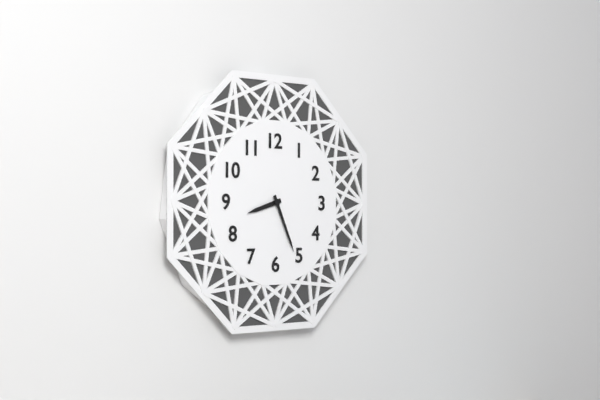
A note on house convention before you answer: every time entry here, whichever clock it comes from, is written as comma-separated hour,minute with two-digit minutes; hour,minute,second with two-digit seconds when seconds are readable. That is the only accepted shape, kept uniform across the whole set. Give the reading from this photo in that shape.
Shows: 8,26
